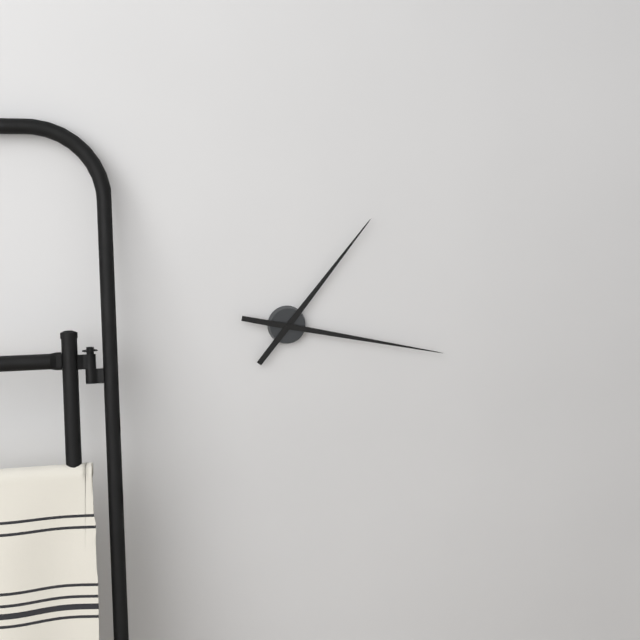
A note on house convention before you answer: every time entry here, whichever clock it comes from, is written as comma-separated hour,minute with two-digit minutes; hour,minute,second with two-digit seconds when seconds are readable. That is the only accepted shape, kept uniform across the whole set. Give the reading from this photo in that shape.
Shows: 1,17
